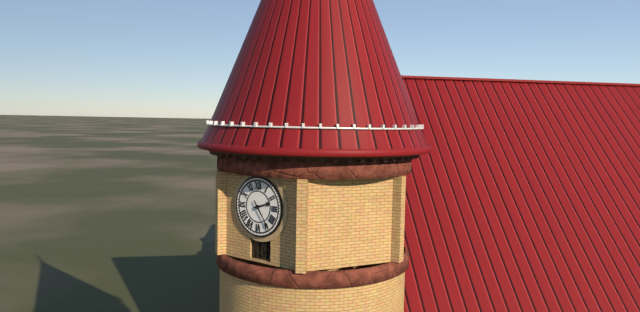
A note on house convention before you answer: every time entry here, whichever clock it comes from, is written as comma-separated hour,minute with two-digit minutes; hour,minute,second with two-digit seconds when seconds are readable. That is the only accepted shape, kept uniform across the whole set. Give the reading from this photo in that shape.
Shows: 2,24
